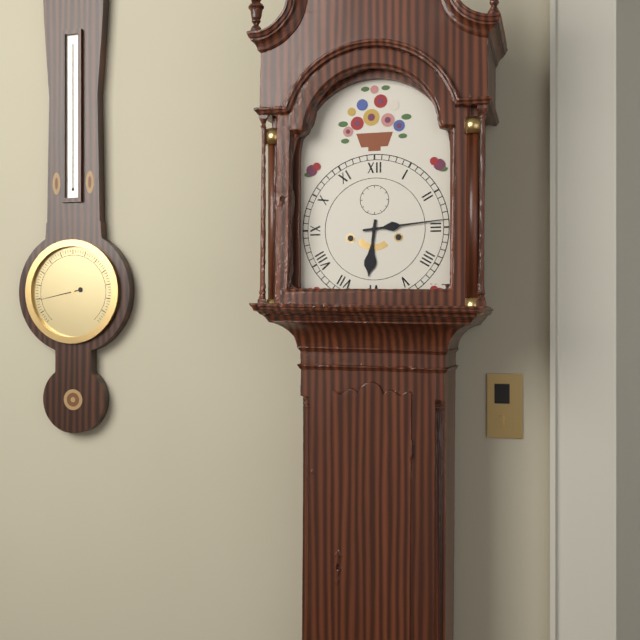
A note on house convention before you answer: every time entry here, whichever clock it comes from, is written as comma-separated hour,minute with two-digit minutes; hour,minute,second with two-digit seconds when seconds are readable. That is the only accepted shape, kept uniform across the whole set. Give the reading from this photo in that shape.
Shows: 6,14
